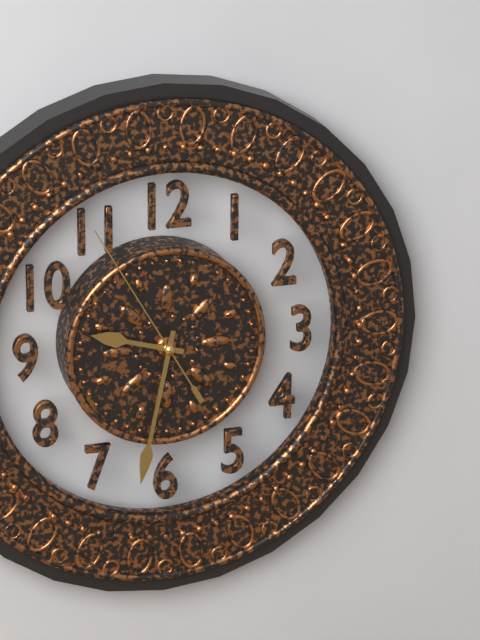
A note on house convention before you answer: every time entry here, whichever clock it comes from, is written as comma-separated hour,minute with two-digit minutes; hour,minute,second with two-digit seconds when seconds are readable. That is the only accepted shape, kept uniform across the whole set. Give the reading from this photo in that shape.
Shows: 9,32,55
